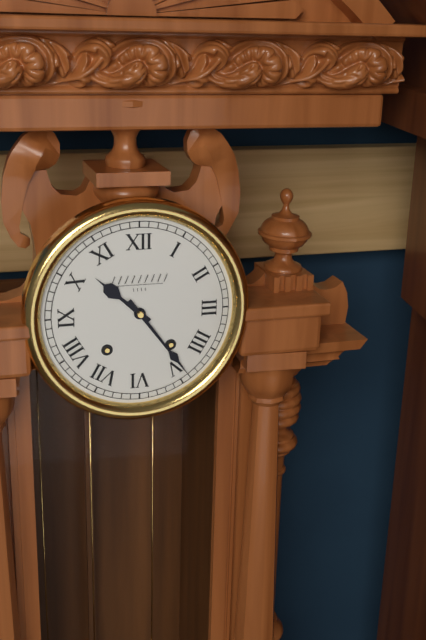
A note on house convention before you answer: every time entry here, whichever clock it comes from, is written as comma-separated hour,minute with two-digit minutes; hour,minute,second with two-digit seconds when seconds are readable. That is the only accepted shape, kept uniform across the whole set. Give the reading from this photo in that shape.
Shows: 10,24
